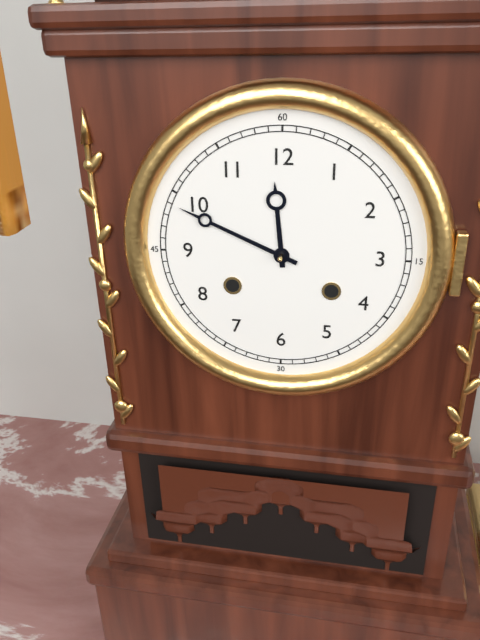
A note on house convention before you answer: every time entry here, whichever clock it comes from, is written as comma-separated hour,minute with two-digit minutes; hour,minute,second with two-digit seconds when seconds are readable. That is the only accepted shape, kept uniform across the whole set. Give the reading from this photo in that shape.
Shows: 11,49
